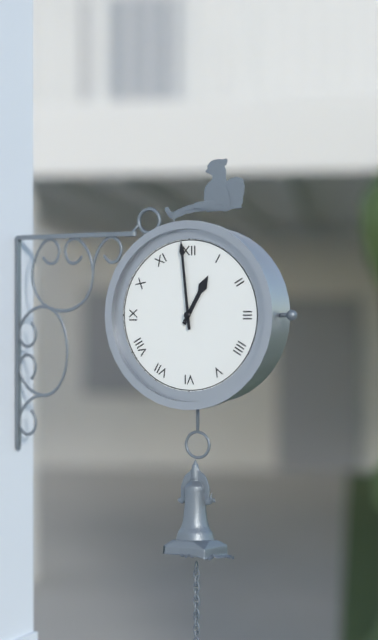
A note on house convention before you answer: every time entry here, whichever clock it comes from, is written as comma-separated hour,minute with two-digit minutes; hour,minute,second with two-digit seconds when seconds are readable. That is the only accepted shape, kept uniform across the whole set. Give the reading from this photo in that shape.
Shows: 12,59
